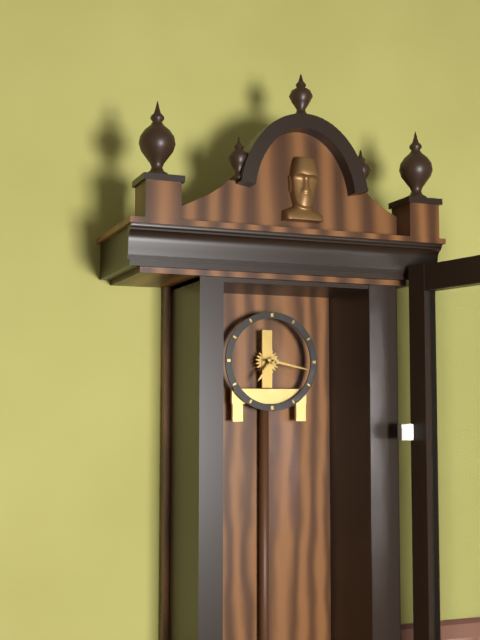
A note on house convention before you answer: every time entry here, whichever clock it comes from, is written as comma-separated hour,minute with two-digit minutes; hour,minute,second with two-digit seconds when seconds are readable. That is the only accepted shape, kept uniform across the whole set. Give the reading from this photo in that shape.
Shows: 7,17
